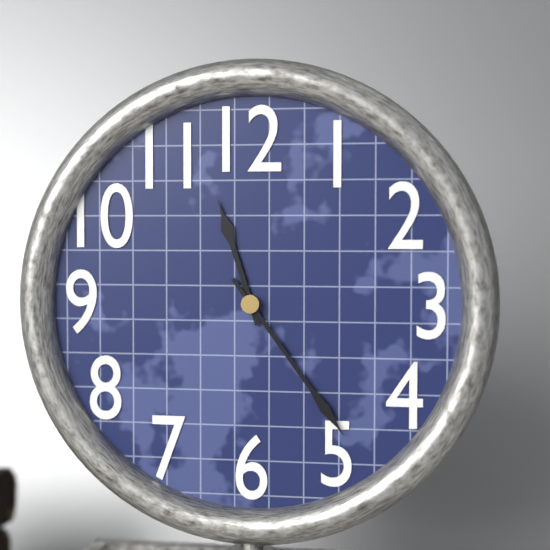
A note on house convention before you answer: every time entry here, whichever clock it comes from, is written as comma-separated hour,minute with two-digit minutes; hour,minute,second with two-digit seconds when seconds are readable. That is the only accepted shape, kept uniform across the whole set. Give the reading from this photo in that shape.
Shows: 11,24
